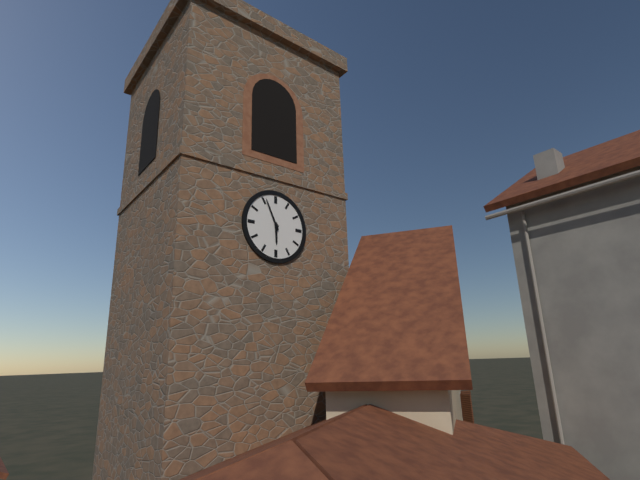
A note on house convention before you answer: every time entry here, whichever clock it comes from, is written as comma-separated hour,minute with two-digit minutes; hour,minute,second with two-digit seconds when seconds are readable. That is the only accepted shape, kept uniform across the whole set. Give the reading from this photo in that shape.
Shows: 5,56
